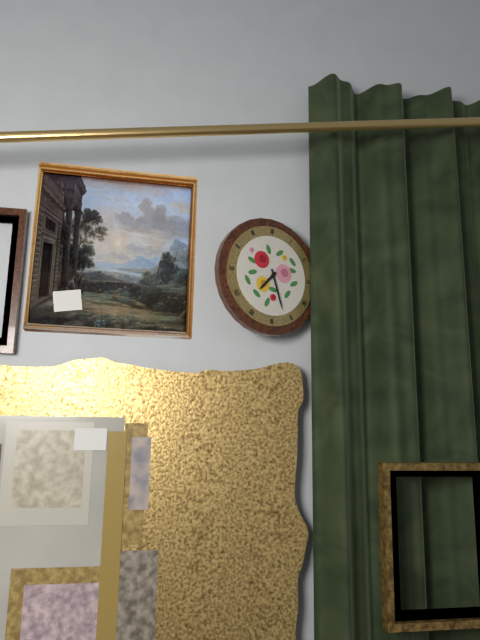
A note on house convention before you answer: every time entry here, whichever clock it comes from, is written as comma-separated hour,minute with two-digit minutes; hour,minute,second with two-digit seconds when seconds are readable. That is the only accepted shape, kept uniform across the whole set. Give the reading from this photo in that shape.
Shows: 7,27
